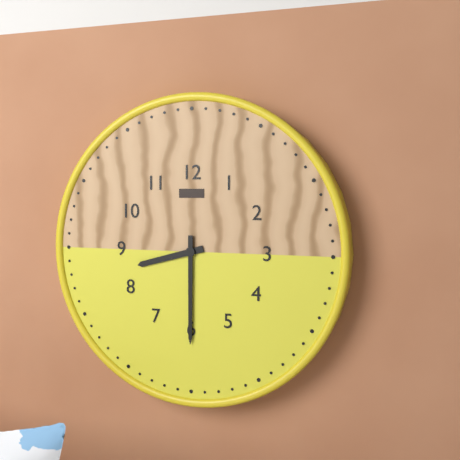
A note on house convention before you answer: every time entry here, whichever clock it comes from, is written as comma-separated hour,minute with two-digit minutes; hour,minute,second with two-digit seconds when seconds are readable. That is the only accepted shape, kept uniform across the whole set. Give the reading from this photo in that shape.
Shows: 8,30
